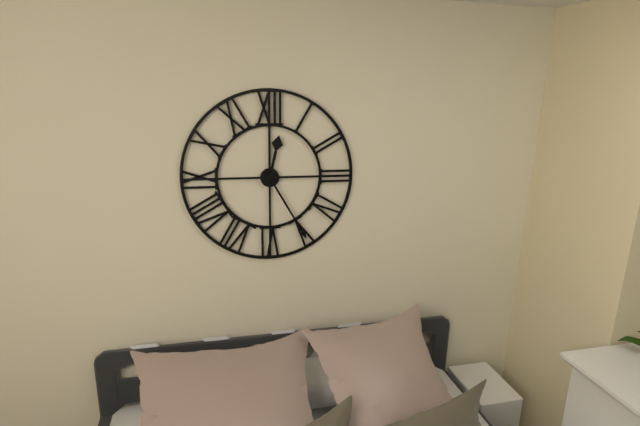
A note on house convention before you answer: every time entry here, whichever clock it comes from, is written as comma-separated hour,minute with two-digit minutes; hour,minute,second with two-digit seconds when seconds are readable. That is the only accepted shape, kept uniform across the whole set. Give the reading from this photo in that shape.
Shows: 12,25
